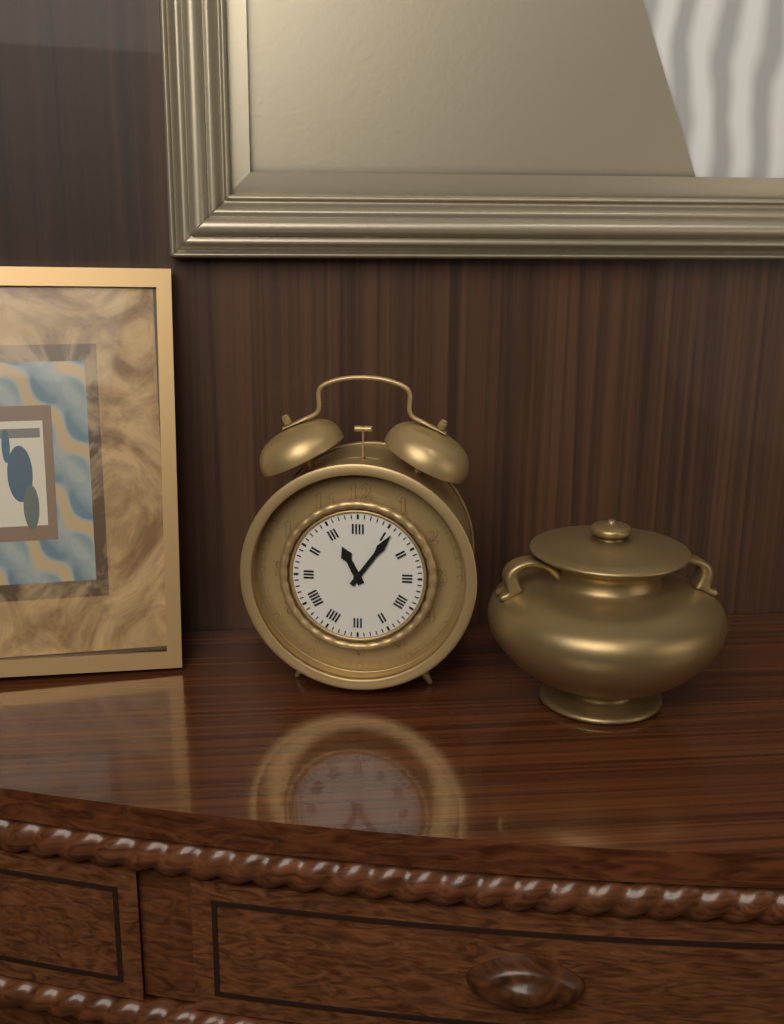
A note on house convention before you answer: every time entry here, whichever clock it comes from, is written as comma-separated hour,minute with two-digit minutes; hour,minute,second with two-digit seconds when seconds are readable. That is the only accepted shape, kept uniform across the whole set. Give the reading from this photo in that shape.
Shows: 11,06
